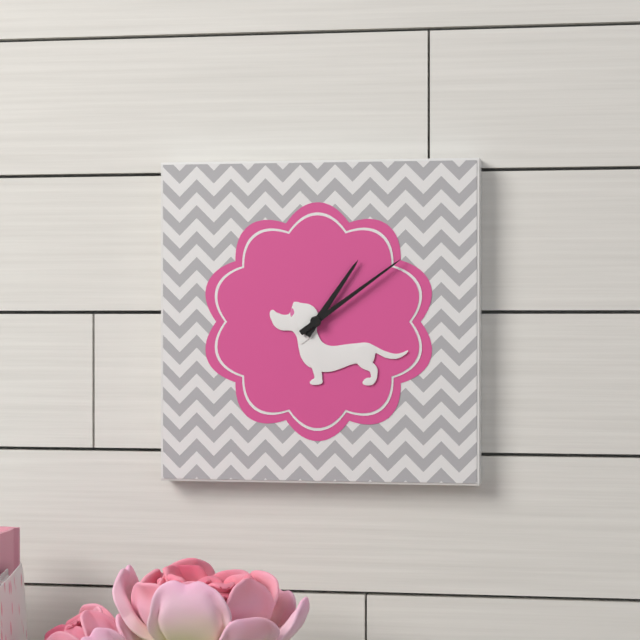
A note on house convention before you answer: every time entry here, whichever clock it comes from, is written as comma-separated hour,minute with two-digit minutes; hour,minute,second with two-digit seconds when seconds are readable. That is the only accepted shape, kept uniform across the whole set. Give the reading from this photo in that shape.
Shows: 1,09
